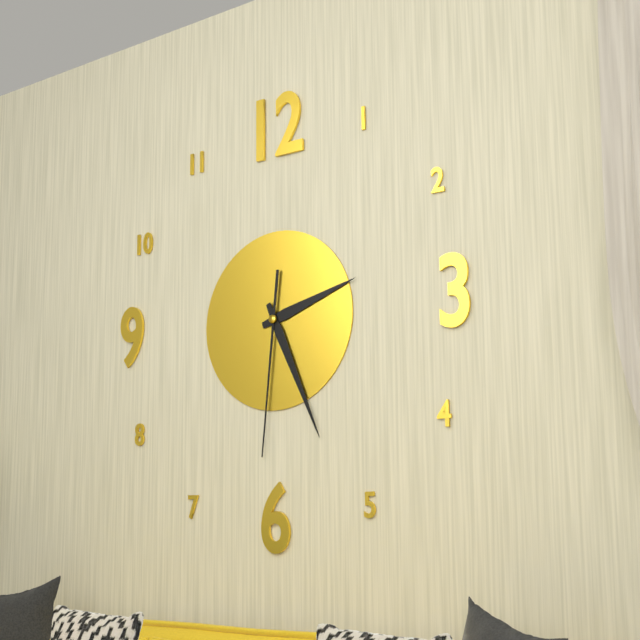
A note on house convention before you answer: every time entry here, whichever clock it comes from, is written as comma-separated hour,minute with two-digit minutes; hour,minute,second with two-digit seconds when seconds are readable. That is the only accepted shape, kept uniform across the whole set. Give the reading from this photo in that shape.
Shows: 2,26,31
